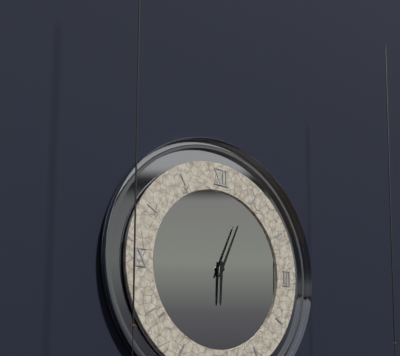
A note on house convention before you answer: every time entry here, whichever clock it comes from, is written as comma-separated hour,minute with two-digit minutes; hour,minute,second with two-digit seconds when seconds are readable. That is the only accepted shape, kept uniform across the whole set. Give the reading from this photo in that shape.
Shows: 6,04
